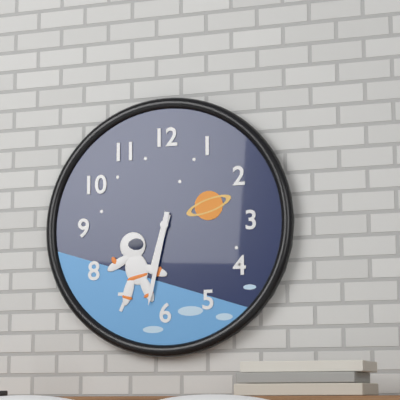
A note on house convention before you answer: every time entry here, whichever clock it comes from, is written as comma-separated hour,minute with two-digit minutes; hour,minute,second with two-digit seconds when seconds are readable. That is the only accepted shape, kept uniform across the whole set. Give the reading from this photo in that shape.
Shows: 6,32
